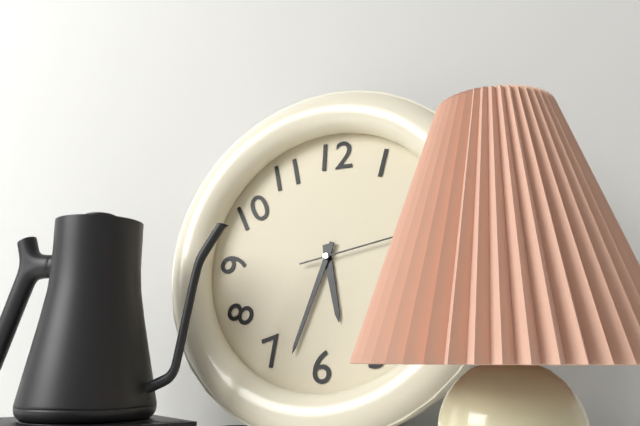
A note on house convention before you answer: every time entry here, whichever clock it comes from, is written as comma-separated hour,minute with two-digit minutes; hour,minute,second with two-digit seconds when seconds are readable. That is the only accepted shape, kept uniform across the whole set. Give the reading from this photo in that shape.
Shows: 5,33
